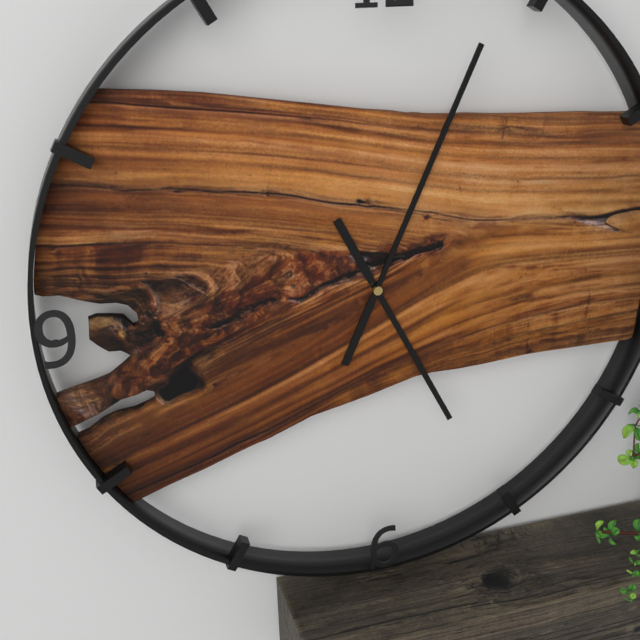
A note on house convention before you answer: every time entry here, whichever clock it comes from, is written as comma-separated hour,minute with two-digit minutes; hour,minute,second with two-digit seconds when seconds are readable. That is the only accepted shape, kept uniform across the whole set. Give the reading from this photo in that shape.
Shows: 5,04
